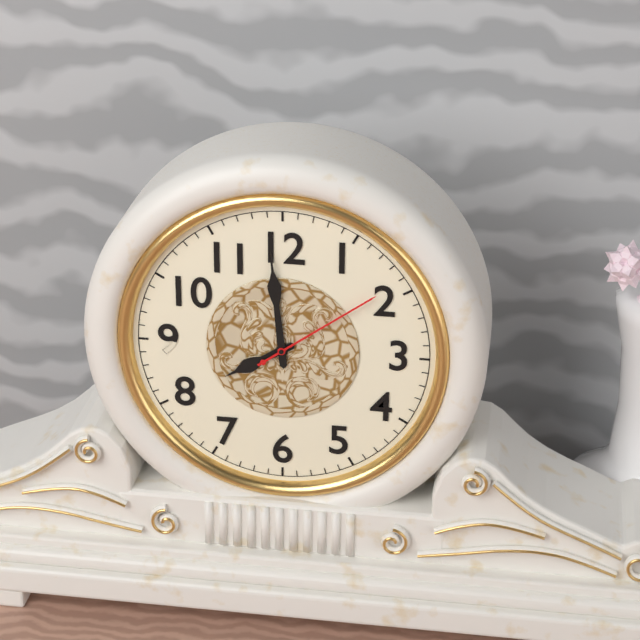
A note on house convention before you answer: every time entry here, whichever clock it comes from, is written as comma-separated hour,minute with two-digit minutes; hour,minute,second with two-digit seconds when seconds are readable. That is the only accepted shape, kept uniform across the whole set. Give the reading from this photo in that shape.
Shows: 7,59,09
